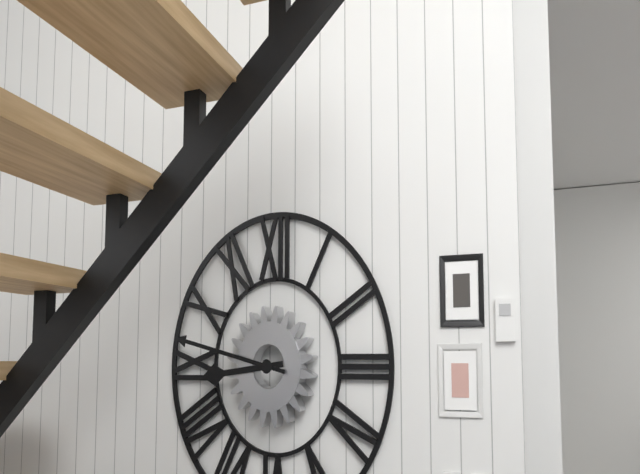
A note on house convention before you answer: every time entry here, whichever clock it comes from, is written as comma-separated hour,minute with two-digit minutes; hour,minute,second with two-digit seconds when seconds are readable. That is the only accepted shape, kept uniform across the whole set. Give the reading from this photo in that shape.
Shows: 8,47
